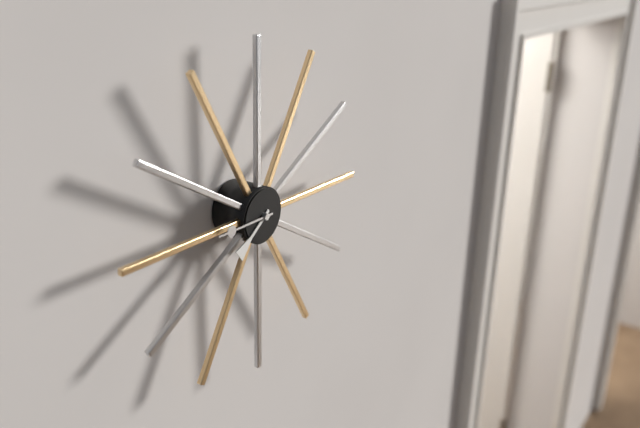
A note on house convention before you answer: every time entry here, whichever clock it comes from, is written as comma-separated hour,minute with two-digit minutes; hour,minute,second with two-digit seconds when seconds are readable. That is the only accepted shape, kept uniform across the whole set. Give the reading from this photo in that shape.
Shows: 7,45
